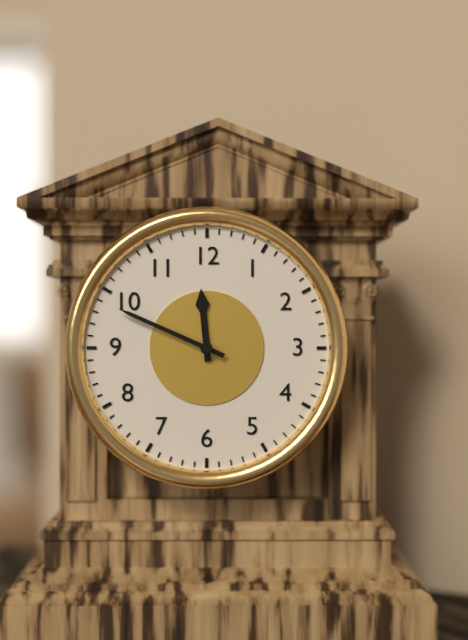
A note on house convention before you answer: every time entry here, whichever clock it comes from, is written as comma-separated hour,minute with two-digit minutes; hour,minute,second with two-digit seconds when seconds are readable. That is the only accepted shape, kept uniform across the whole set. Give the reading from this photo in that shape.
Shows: 11,49
